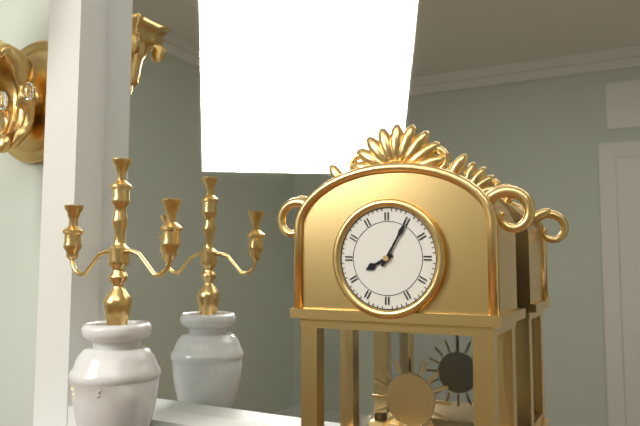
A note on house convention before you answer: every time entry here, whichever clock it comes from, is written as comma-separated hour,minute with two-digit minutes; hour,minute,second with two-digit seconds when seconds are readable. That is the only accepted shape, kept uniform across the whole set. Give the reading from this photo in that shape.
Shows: 8,05
